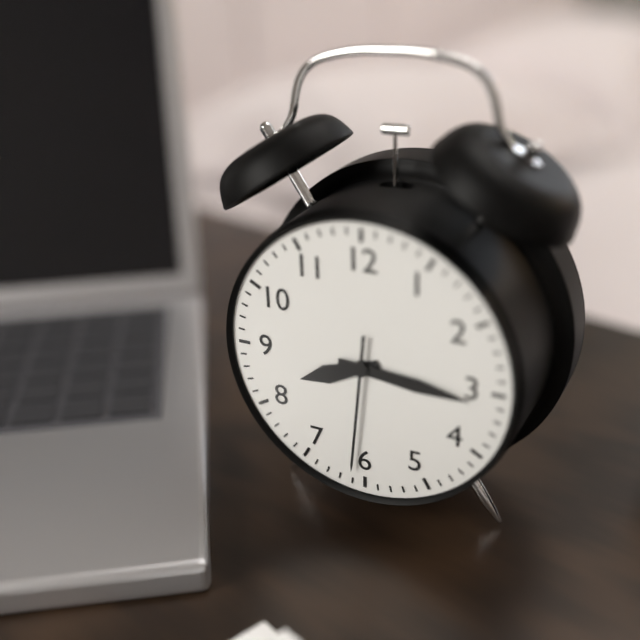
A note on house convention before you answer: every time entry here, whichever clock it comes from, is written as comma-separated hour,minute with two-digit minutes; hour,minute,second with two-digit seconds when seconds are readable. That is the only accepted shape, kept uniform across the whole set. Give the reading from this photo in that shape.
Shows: 8,16,31
